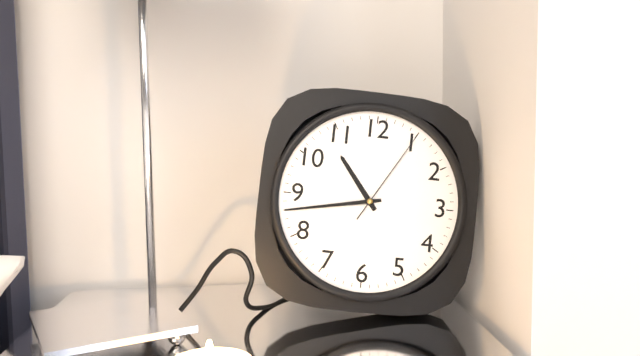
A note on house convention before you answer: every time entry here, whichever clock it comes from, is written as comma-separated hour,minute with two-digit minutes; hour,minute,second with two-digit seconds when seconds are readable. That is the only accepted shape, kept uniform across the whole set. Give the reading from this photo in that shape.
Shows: 10,43,05
